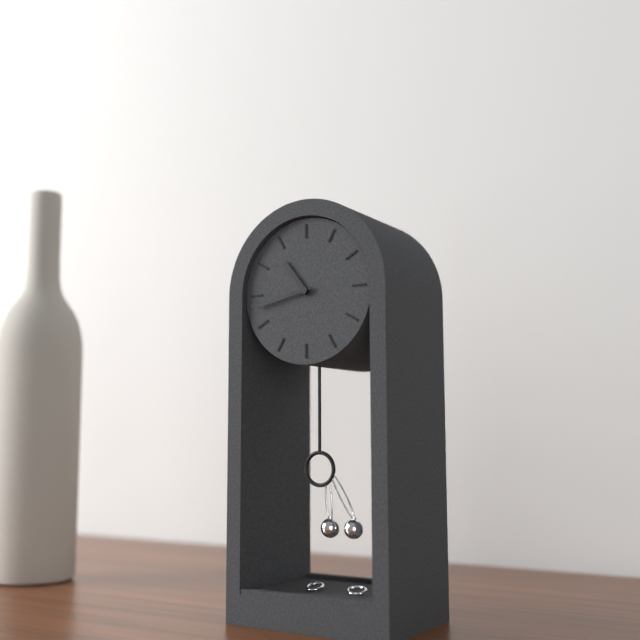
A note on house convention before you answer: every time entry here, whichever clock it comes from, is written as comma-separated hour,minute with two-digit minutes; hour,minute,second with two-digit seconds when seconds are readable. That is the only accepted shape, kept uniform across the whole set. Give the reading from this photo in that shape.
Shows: 10,43
